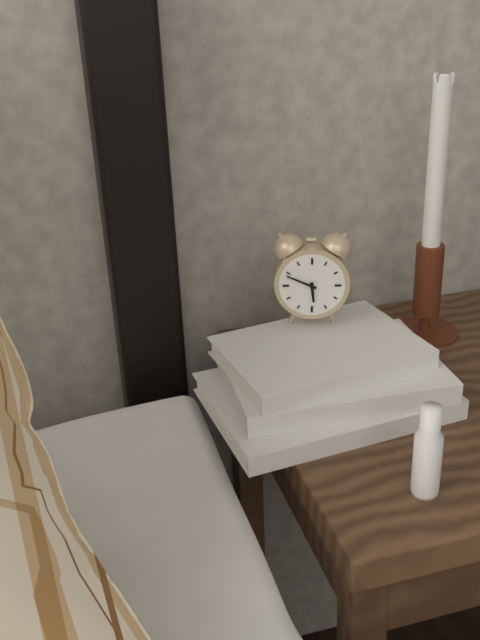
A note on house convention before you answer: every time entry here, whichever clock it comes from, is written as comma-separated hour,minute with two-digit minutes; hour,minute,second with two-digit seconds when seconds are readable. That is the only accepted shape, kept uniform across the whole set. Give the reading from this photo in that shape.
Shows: 5,49
